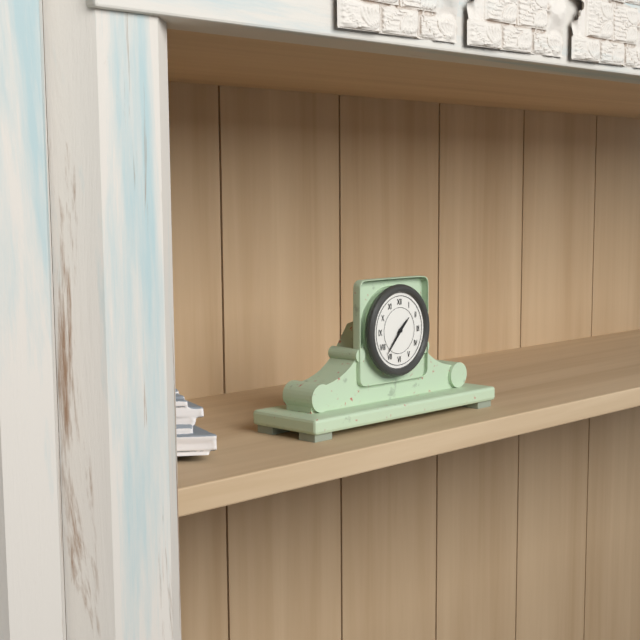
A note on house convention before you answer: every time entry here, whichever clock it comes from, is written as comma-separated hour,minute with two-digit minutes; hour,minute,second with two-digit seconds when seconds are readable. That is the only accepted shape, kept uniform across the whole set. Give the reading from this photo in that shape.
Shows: 1,37
